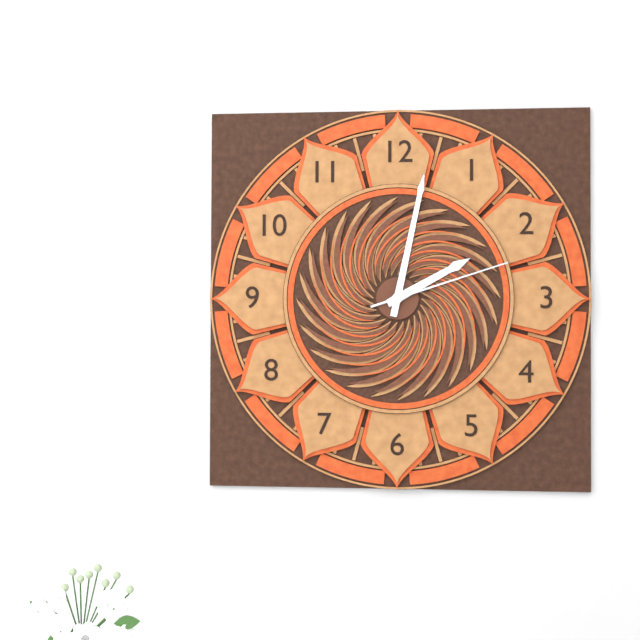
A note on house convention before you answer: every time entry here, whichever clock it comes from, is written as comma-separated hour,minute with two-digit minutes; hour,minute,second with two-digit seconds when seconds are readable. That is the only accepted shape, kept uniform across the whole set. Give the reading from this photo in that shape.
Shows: 2,02,12
